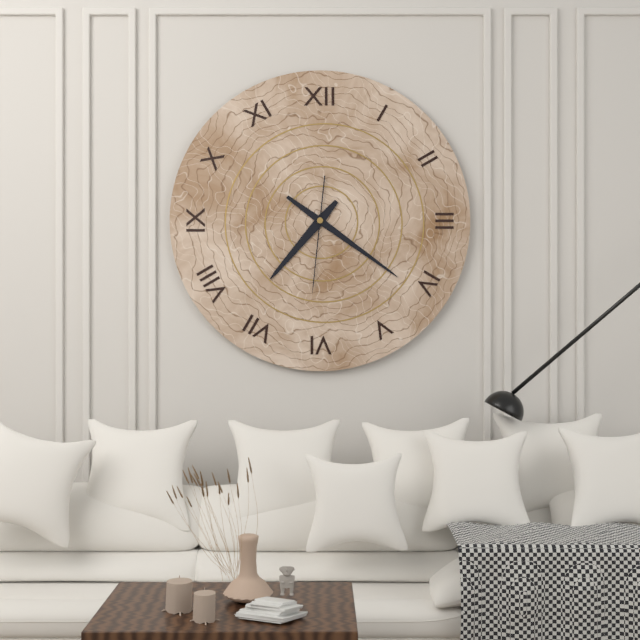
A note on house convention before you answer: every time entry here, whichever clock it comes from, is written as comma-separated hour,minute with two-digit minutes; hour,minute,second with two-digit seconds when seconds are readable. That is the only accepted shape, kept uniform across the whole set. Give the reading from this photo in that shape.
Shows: 7,21,31
